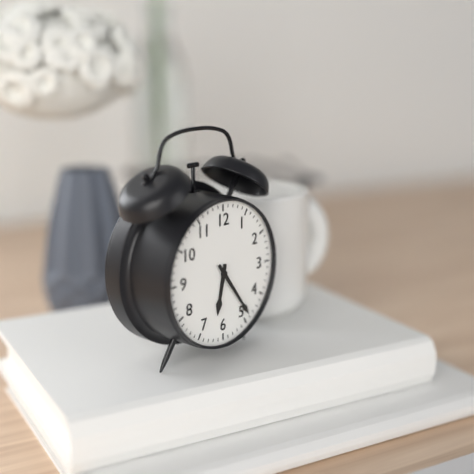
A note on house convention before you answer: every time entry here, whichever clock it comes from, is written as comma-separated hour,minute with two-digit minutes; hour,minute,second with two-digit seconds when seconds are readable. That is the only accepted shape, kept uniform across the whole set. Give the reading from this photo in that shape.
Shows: 6,24
